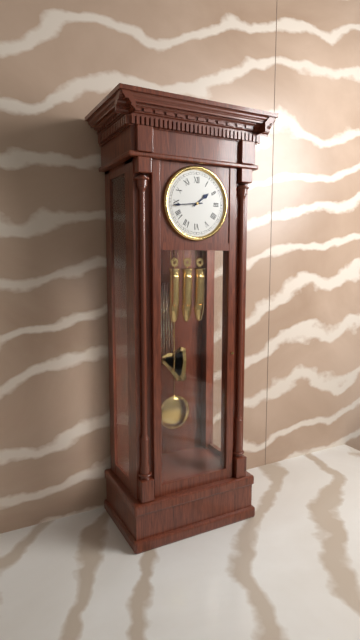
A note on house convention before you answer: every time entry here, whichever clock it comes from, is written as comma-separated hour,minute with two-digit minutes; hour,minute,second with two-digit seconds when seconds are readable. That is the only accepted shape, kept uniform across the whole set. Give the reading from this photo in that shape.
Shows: 1,44
